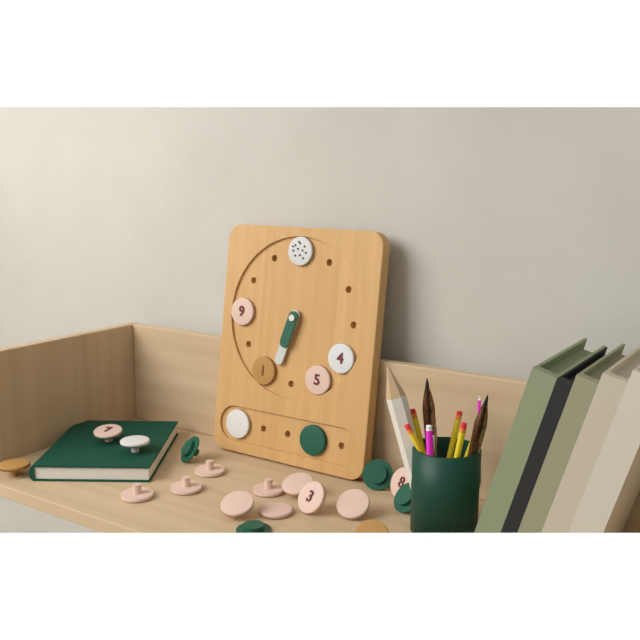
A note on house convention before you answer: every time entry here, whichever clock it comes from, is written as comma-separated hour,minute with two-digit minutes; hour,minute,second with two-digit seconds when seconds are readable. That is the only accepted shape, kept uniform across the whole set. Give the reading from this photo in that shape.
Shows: 6,33
